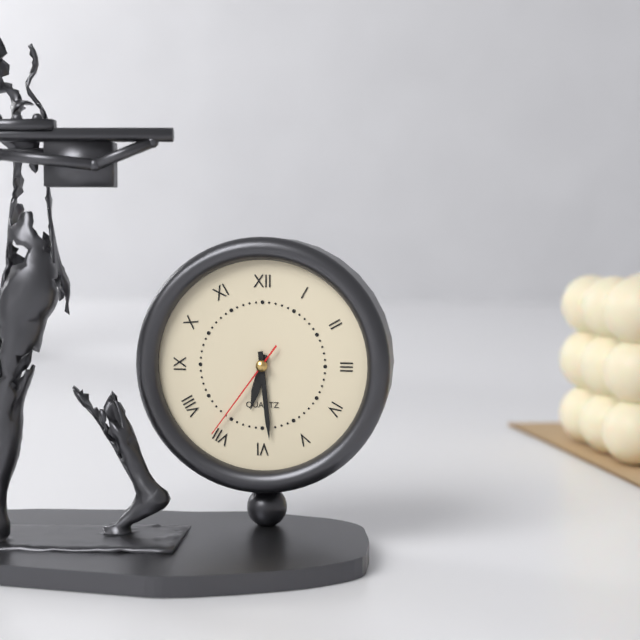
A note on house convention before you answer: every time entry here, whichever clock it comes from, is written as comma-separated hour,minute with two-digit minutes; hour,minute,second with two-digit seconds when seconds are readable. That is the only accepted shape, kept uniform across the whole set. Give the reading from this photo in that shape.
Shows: 6,29,36
